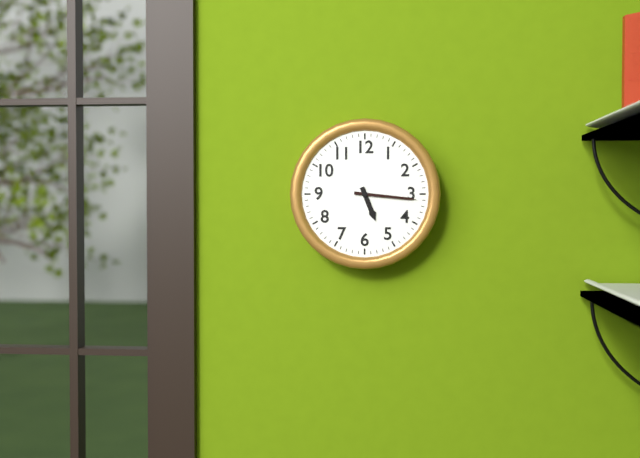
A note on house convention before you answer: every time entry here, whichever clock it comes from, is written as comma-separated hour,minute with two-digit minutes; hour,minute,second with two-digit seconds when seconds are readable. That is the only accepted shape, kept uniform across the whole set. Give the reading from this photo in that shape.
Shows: 5,16
